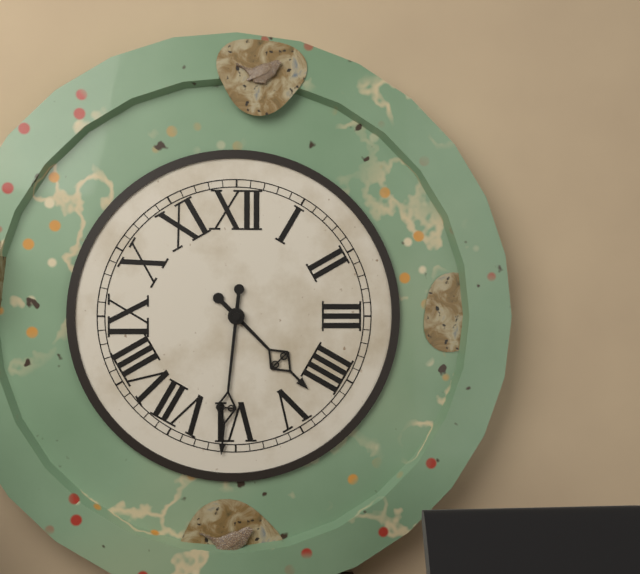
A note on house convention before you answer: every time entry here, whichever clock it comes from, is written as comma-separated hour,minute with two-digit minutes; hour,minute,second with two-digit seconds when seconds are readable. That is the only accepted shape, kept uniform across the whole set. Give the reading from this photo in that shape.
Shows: 4,31
